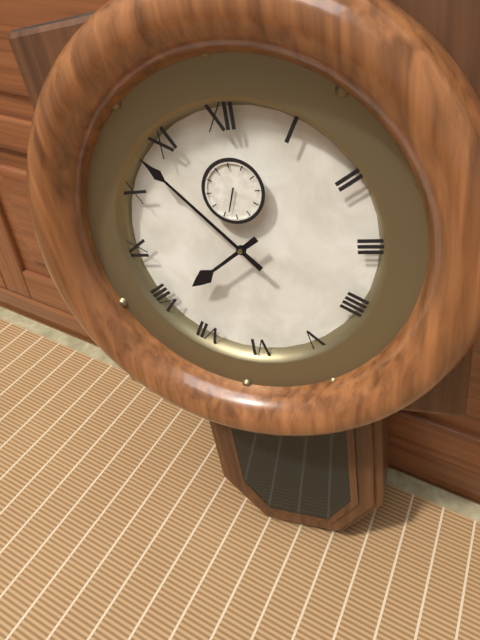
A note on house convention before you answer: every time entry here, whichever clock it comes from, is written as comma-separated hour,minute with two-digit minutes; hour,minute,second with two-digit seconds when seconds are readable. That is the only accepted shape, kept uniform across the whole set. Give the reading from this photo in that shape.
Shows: 7,53
